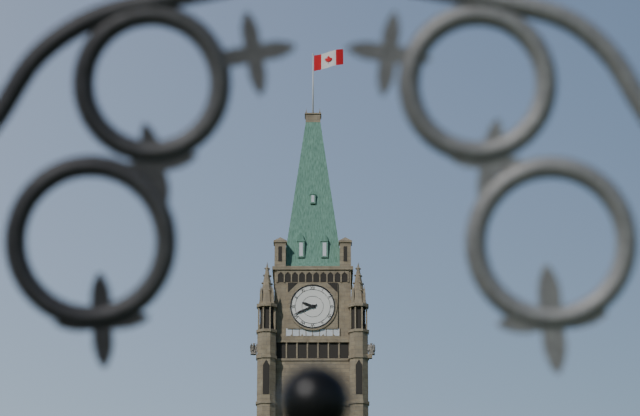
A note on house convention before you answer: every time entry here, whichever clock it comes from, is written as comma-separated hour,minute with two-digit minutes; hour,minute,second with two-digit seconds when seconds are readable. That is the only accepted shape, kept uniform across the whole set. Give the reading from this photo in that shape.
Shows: 9,41
